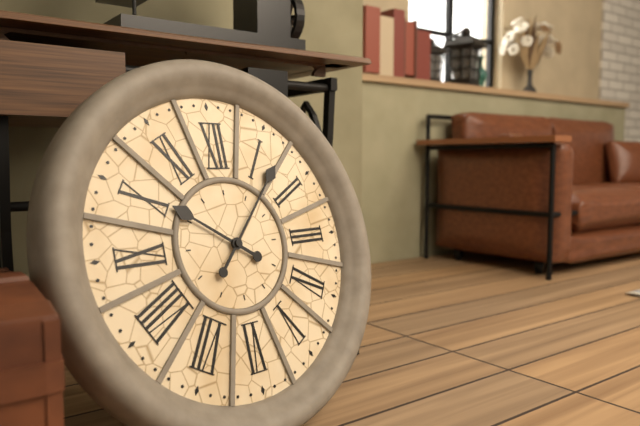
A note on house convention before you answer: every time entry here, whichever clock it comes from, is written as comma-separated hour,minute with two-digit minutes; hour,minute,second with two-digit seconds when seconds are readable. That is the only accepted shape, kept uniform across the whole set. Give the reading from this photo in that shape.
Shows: 10,07
